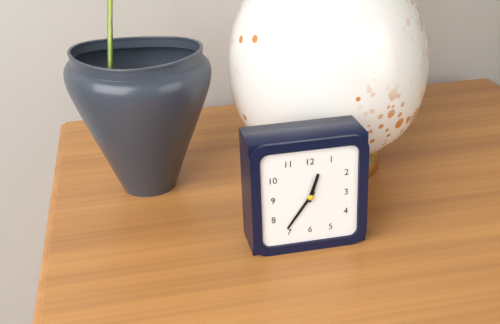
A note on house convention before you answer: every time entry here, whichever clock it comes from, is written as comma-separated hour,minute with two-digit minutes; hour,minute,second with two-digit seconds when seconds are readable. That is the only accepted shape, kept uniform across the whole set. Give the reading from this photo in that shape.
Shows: 12,36
